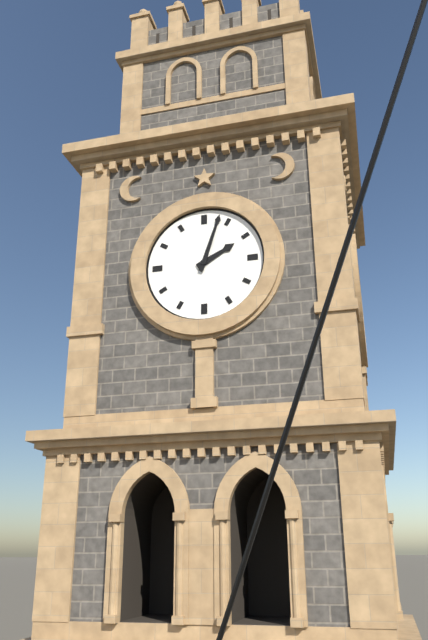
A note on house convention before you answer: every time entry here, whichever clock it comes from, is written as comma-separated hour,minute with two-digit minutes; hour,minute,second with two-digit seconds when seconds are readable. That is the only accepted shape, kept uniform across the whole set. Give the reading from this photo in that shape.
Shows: 2,03
